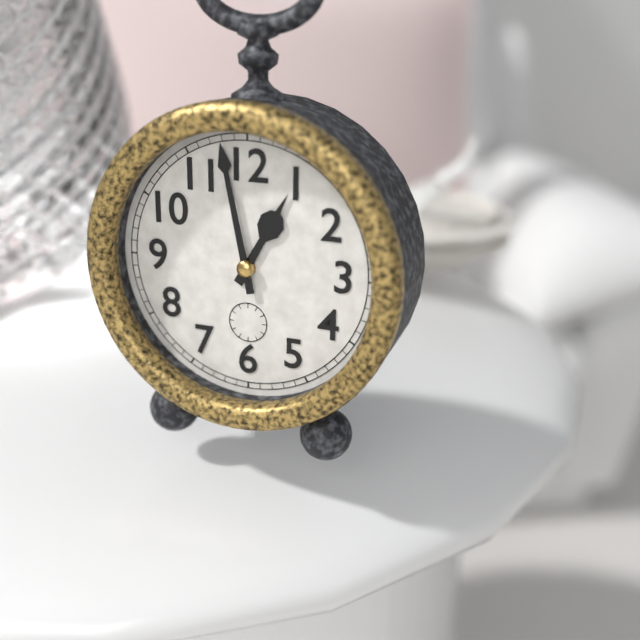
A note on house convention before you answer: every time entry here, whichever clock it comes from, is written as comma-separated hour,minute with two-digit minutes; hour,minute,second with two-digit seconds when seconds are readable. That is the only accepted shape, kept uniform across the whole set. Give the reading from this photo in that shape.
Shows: 12,58
